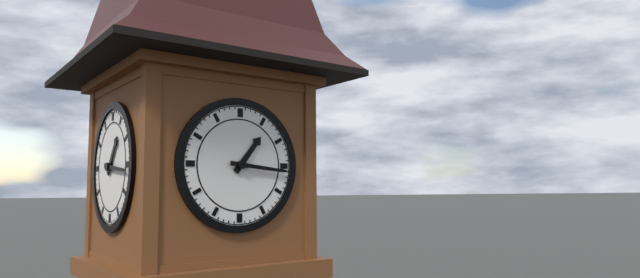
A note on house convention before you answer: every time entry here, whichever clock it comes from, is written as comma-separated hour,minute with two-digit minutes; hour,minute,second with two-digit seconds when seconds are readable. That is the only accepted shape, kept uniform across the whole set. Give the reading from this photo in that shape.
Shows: 1,16
